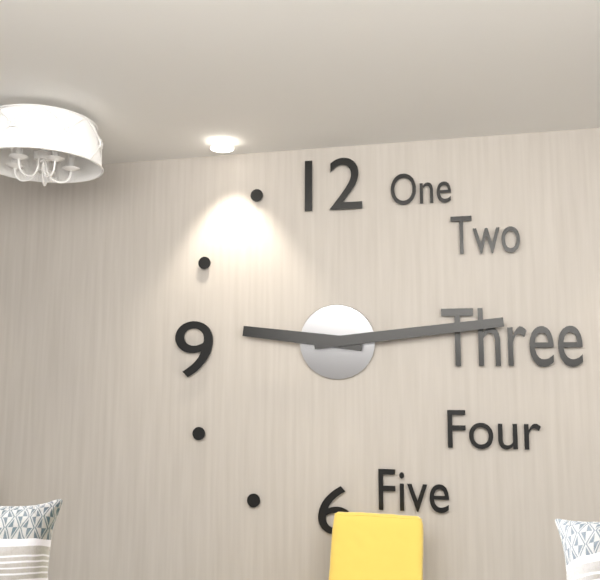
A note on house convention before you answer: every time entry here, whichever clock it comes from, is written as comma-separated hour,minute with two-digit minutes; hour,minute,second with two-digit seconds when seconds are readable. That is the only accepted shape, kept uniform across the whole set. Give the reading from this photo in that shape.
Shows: 9,14
